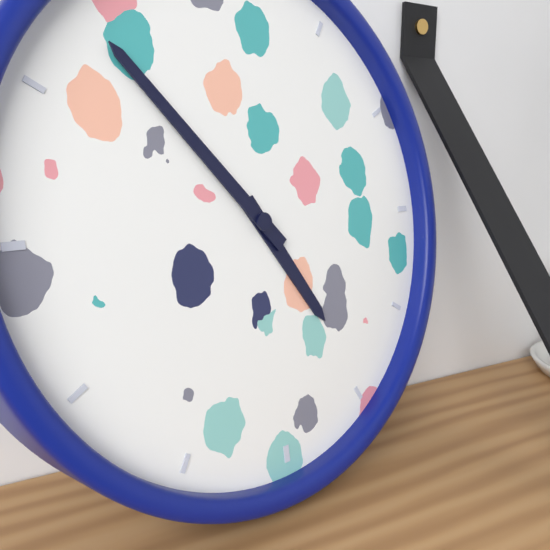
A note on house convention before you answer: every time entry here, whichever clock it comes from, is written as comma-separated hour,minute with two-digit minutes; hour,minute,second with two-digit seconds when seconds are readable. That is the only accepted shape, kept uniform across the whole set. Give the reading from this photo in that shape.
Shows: 4,53
